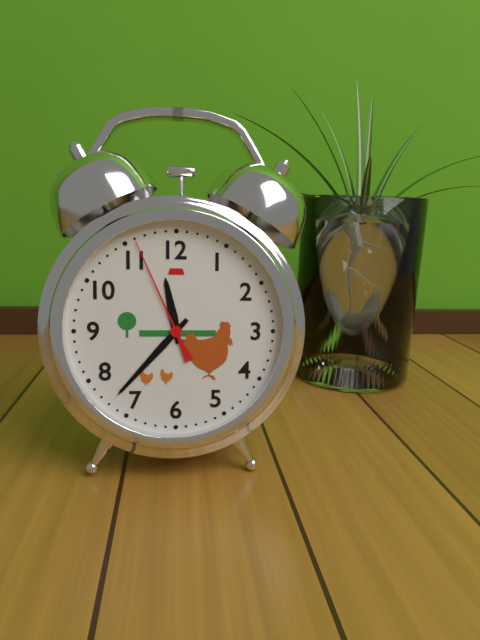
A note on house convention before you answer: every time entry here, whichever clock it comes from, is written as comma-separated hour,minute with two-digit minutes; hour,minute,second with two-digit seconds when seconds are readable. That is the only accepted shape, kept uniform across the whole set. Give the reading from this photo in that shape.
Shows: 11,37,56
